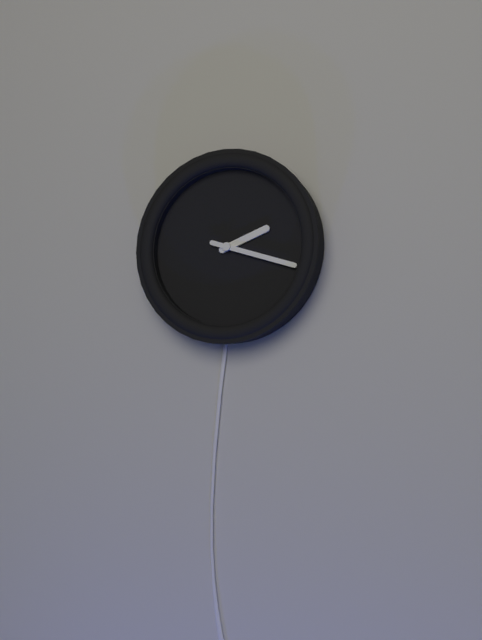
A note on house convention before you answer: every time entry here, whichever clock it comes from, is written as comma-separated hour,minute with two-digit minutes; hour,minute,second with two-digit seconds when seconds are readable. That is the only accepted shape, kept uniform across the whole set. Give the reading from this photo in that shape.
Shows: 2,18
